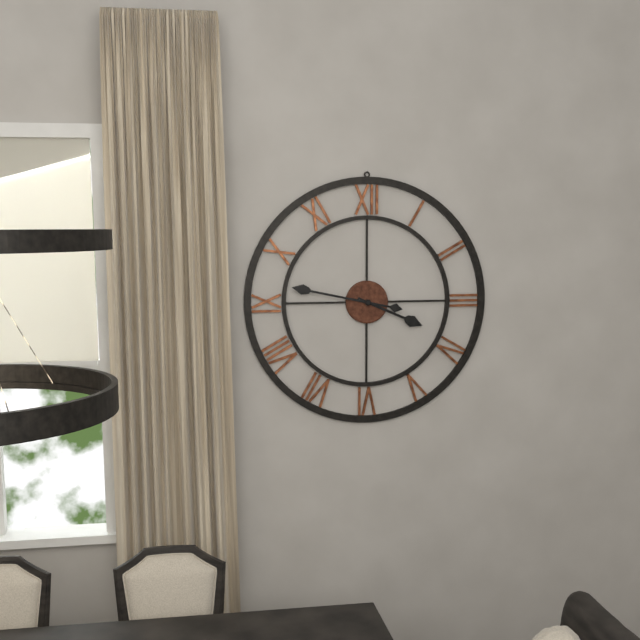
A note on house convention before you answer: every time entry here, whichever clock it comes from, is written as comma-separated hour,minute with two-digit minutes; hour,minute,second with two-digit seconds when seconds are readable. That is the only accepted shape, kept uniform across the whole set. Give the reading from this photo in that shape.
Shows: 3,47
